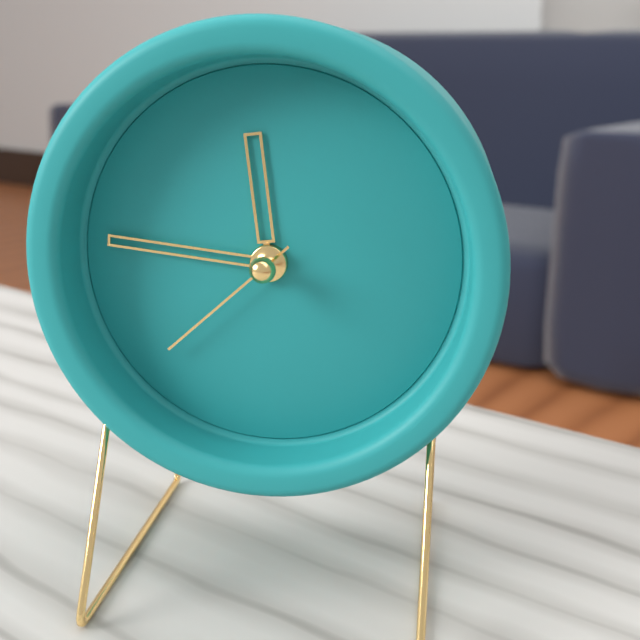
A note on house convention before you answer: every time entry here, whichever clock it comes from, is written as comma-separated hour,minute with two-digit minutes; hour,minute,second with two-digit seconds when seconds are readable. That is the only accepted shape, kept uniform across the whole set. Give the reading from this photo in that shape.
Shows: 11,46,38
